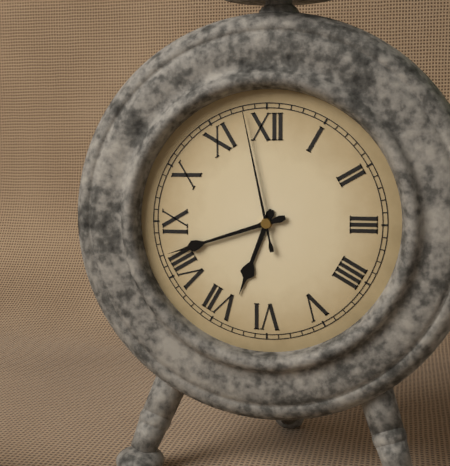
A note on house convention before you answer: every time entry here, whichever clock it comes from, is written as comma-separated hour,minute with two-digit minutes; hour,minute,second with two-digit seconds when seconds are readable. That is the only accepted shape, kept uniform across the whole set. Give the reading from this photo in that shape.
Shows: 6,42,58
